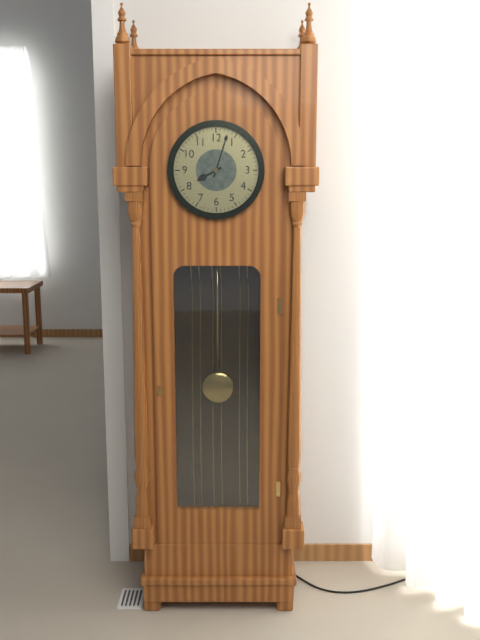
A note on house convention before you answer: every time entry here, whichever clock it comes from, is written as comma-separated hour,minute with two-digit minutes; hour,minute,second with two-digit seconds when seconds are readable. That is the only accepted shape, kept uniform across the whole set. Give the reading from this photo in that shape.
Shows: 8,03
